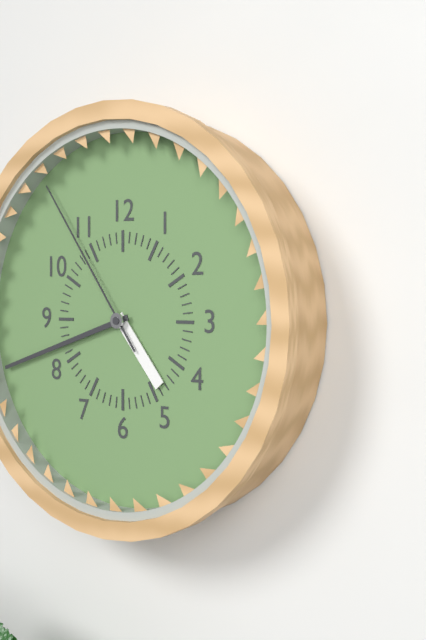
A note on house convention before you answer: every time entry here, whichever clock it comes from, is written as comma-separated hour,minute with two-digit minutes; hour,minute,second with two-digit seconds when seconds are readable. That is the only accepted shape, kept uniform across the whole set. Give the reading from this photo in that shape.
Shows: 4,42,54
